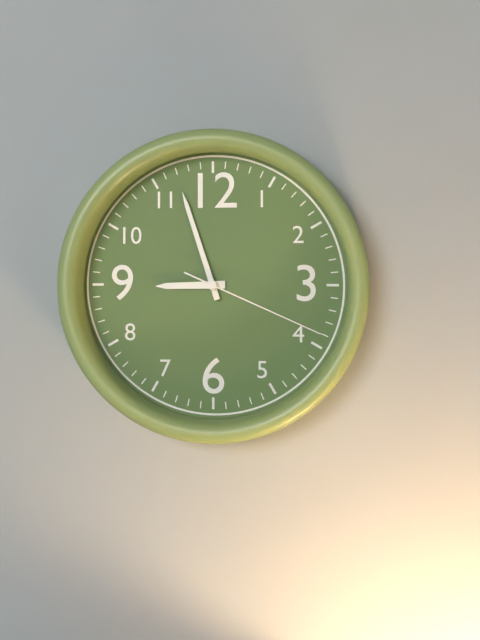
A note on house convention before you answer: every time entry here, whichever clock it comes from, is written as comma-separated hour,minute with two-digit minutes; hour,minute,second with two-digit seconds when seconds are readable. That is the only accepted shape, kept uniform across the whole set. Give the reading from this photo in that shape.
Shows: 8,57,19
